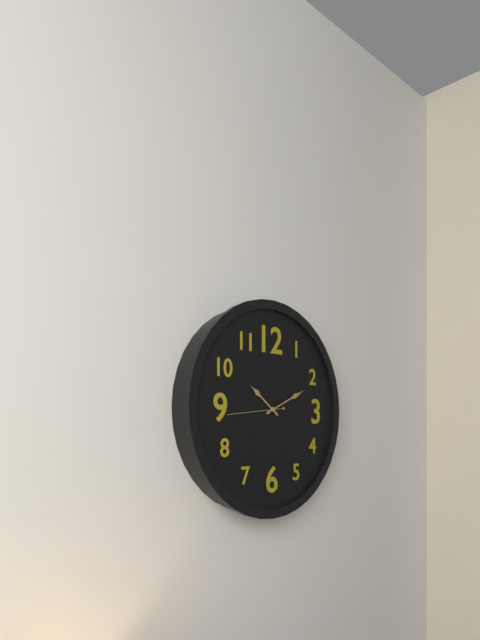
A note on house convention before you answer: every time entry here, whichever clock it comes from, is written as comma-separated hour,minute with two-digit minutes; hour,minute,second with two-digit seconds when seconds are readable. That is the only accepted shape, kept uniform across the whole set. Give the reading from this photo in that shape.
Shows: 10,11,44
